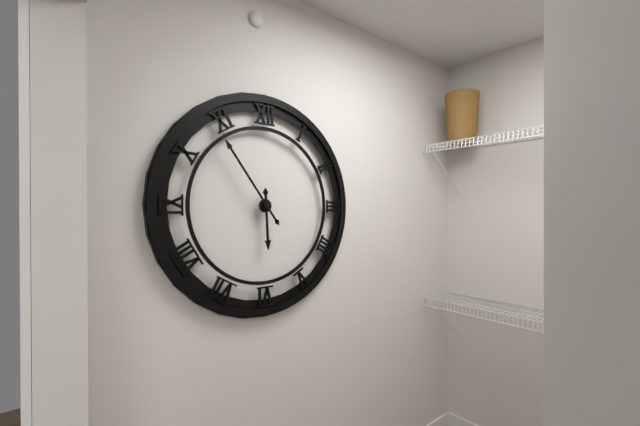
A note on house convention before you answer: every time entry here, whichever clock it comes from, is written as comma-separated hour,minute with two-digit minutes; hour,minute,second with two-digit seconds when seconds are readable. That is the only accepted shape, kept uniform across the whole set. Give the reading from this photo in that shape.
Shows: 5,54
